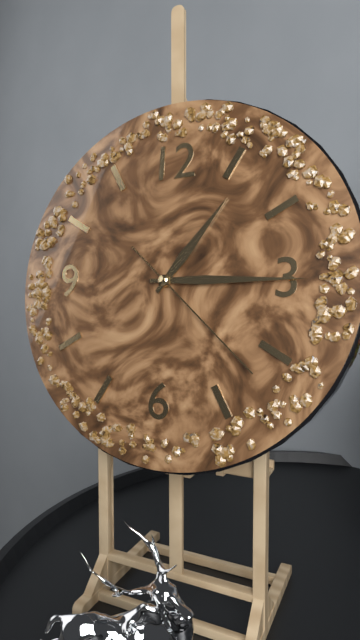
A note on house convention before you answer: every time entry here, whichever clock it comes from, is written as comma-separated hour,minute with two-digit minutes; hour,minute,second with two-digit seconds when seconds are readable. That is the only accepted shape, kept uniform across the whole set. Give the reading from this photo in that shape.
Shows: 1,15,22
